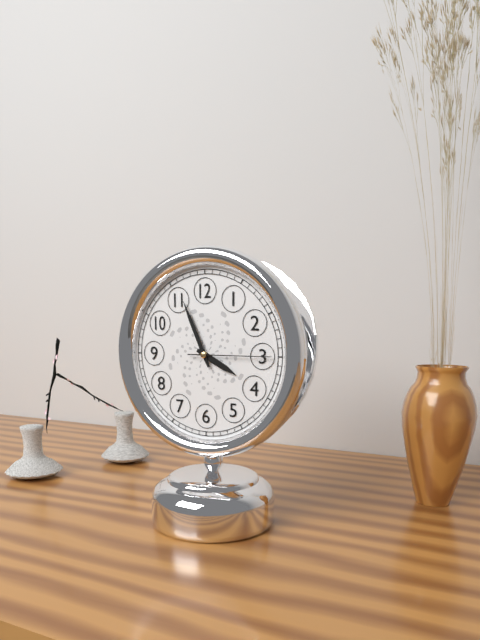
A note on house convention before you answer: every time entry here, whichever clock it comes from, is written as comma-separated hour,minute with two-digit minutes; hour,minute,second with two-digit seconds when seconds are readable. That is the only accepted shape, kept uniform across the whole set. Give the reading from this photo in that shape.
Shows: 3,56,15
